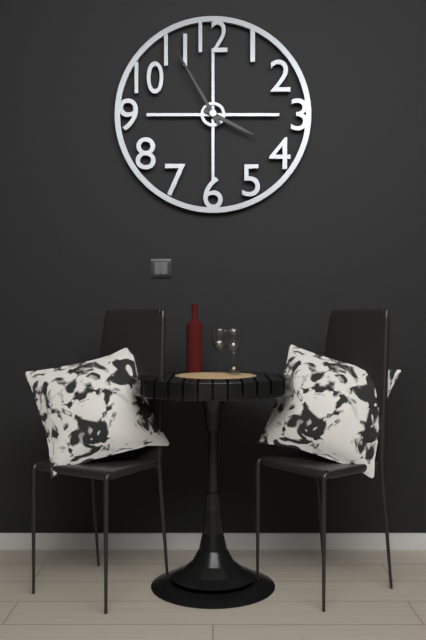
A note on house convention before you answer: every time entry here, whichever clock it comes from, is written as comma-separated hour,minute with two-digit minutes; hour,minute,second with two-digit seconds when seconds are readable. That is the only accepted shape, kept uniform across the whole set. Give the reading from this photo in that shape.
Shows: 3,55
